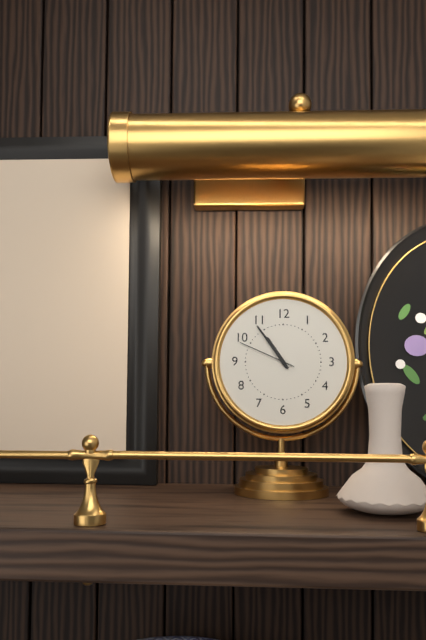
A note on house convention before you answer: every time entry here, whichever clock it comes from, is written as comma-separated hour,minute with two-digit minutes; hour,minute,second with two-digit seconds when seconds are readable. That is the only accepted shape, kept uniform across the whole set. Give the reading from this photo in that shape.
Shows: 10,54,49
